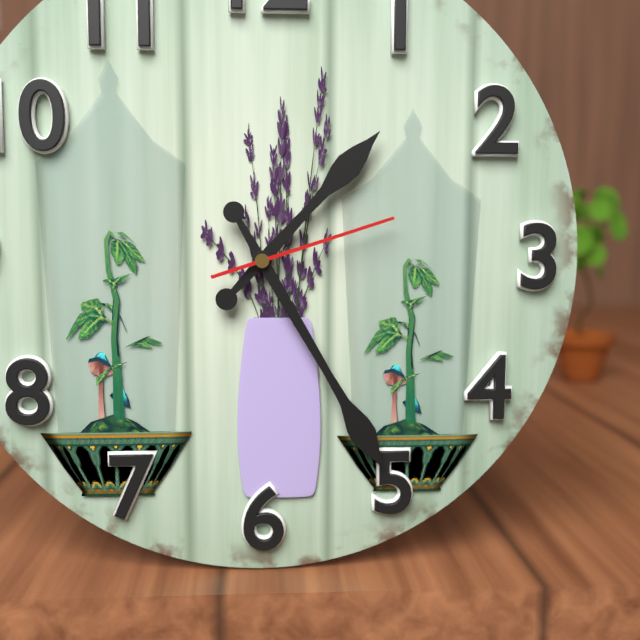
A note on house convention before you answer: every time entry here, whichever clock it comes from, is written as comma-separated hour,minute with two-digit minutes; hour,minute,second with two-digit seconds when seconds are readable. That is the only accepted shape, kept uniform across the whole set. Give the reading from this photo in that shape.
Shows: 1,25,12
